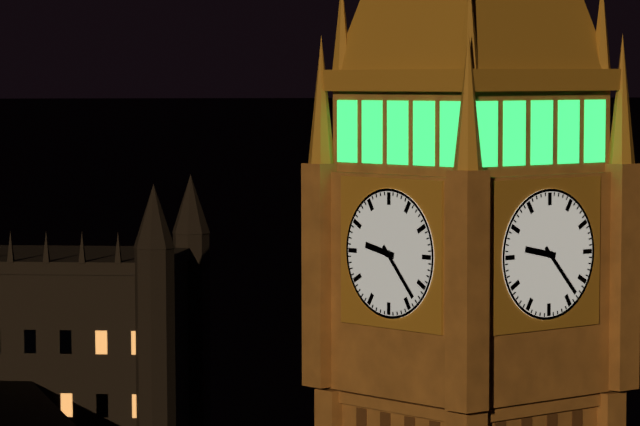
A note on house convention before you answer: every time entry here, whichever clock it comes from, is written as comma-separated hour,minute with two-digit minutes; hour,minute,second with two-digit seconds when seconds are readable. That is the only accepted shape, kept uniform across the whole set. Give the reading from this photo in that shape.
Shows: 9,23
